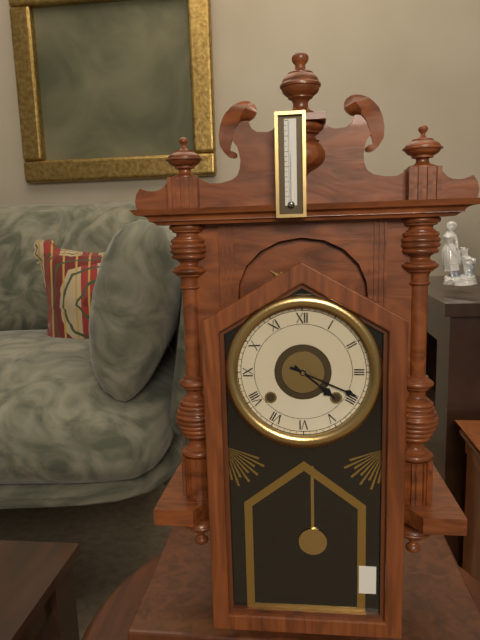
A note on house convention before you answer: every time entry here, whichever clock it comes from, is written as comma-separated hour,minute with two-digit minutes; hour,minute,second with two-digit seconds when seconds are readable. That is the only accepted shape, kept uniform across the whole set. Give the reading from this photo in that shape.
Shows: 4,19
